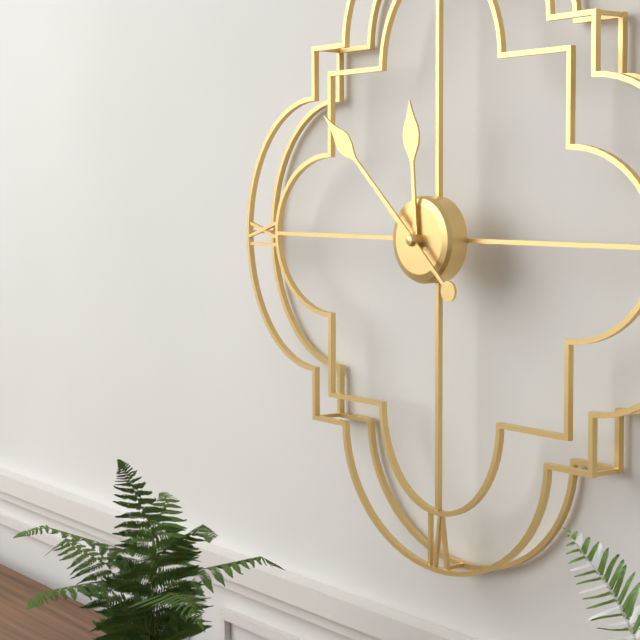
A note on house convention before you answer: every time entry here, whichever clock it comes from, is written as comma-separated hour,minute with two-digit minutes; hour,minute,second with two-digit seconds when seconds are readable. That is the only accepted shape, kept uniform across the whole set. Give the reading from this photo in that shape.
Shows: 11,52
